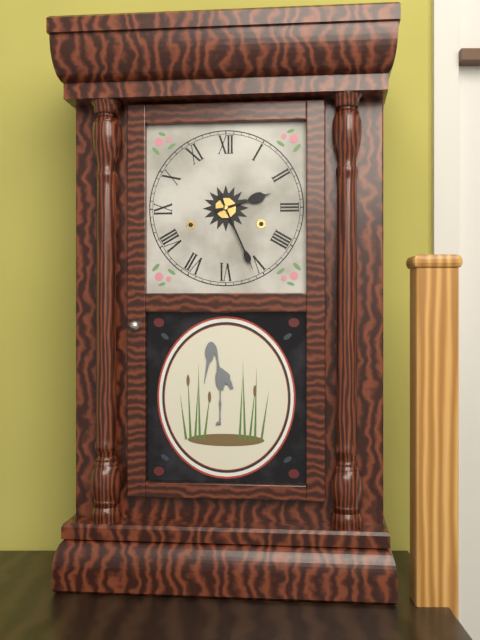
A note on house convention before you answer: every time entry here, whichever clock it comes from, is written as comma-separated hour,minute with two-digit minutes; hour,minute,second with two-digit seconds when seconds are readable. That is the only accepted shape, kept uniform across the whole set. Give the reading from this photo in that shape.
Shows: 2,26
